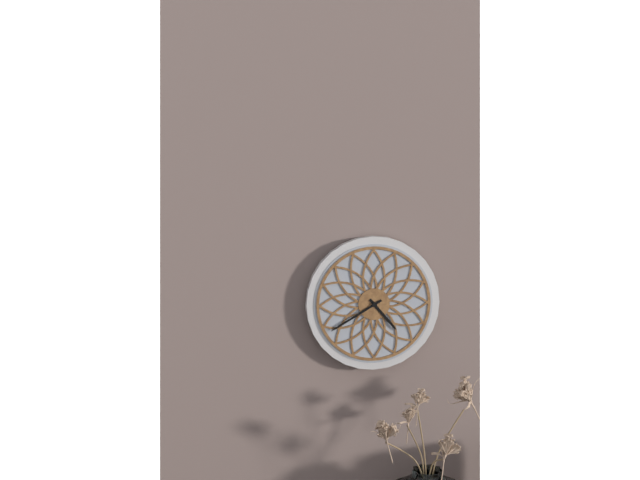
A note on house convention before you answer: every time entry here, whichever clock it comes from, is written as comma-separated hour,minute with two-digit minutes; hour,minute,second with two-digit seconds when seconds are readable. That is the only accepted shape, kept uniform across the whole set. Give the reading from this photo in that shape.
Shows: 4,40
